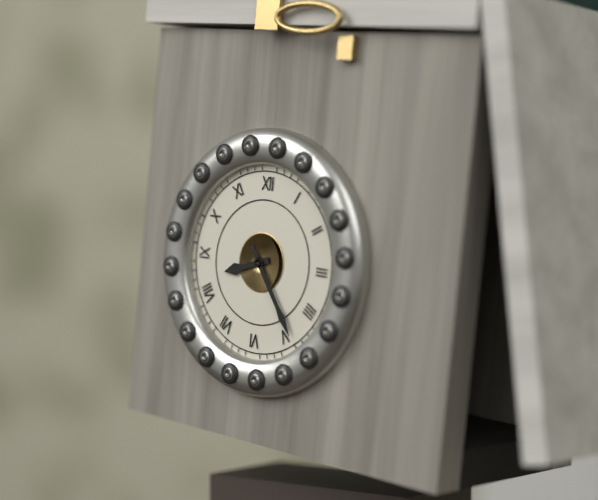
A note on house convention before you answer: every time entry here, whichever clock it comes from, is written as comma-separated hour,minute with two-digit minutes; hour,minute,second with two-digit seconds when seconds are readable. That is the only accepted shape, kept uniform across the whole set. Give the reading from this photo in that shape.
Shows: 8,24
